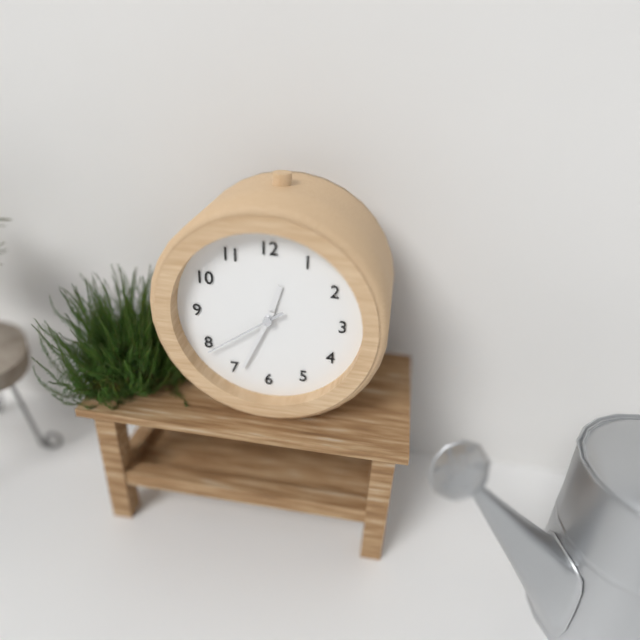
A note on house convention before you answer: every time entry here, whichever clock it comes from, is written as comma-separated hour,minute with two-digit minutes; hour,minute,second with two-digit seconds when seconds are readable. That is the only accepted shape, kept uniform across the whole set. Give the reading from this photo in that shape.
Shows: 12,34,39
